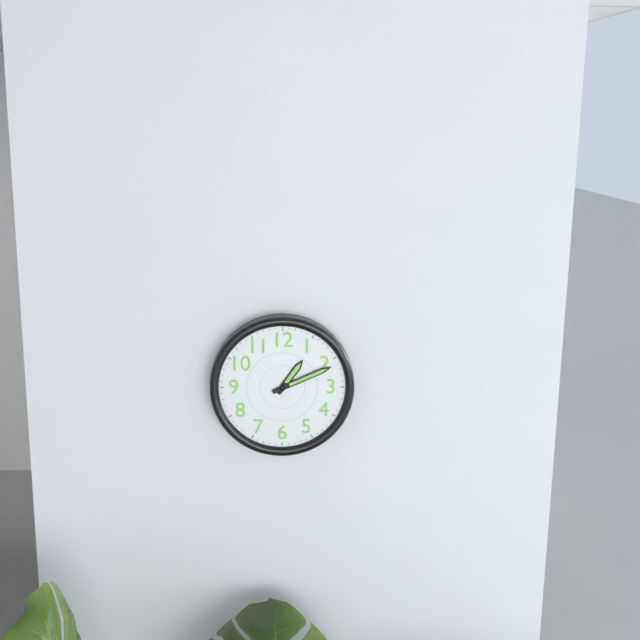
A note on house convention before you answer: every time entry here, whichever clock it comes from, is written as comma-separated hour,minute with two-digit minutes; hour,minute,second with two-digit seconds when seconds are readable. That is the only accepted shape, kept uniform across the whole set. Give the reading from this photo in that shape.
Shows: 1,11
